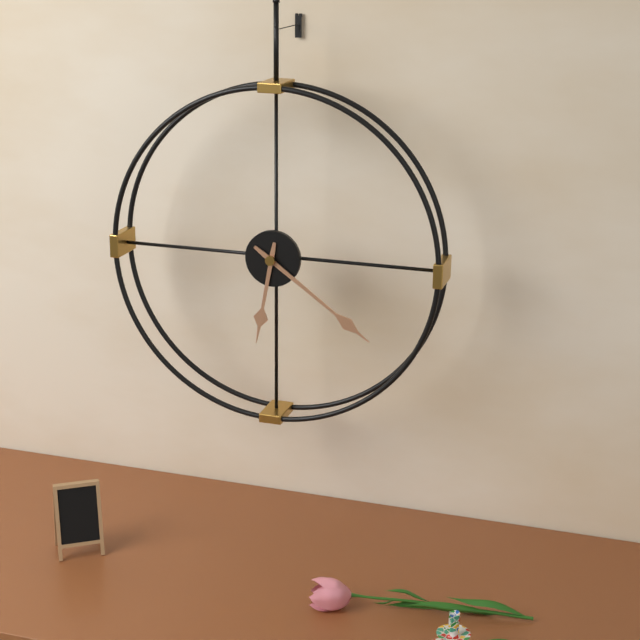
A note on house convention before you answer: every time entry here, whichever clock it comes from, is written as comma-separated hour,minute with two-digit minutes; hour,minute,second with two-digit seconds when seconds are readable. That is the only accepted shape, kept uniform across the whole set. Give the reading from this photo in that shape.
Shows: 6,21
